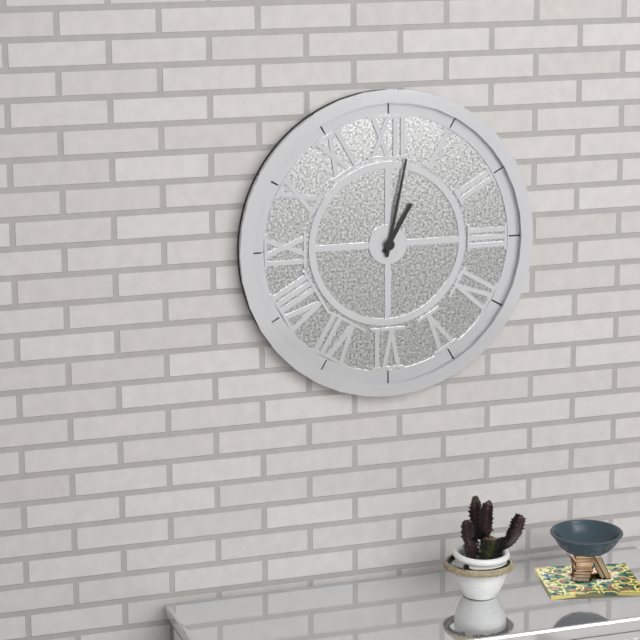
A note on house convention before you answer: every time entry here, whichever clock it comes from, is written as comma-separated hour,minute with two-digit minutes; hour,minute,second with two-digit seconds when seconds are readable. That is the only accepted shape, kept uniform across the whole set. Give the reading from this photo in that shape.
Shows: 1,02
